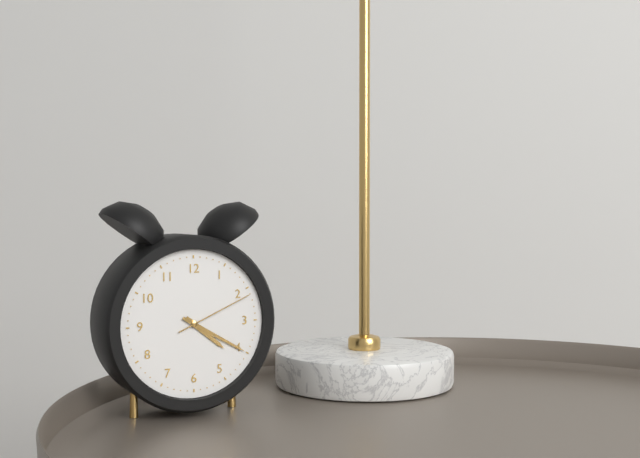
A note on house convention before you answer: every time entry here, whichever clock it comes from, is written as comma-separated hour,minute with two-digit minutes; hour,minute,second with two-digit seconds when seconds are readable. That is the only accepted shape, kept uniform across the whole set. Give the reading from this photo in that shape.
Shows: 4,20,11
